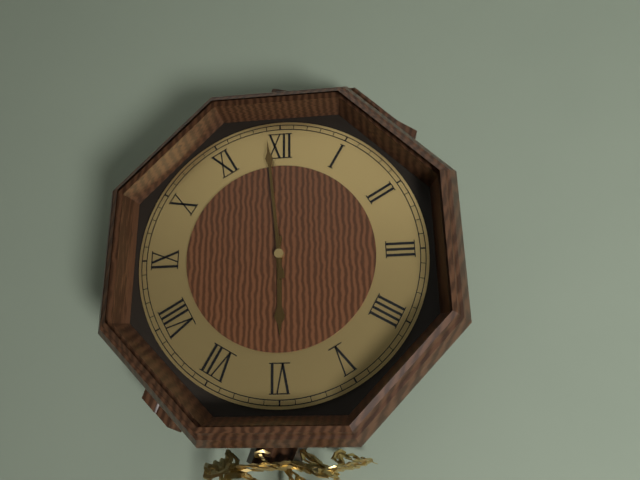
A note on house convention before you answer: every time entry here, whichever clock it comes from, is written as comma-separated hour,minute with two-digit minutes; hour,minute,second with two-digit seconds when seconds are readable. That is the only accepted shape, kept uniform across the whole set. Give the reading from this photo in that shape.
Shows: 5,59
